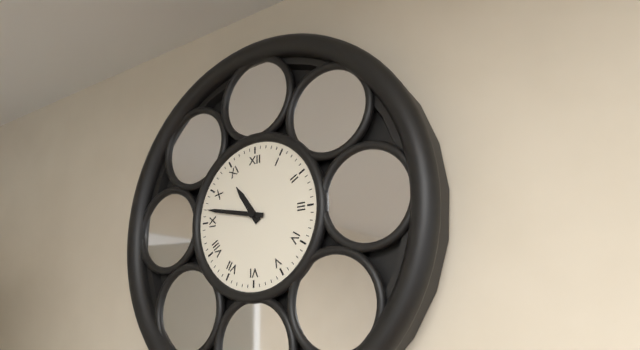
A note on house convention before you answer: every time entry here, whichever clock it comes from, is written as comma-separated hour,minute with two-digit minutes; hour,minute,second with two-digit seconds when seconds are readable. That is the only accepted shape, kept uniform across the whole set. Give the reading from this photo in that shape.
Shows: 10,47
